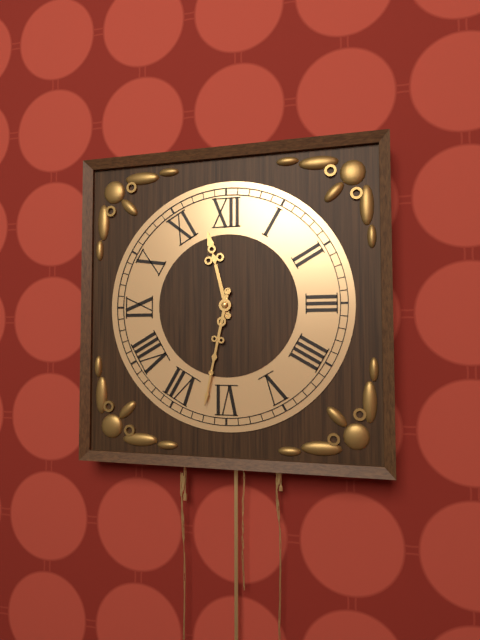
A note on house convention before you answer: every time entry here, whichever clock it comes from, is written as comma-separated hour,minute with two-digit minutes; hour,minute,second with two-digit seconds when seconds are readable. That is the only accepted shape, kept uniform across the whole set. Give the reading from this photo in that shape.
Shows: 11,32
